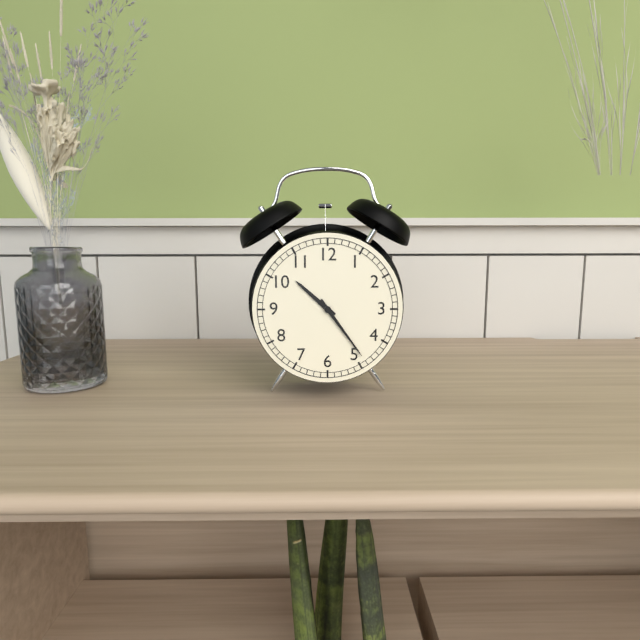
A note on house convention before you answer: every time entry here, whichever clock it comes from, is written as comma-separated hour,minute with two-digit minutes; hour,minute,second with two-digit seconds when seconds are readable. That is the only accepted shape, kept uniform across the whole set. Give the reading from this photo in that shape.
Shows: 10,24
